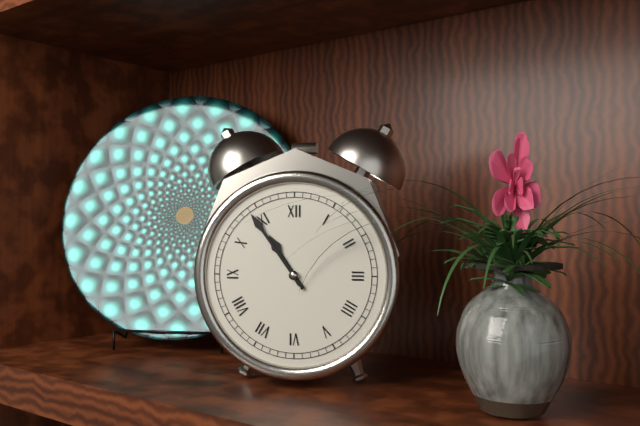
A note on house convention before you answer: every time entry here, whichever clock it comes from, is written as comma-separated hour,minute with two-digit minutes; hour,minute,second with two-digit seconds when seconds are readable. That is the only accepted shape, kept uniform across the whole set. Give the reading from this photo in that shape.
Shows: 10,54
